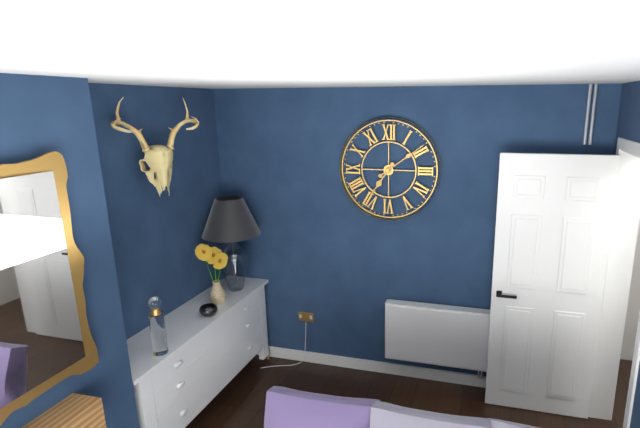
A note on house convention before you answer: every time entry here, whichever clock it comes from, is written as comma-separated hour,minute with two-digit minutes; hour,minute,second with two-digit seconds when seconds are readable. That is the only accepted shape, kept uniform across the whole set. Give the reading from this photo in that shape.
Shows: 7,09
